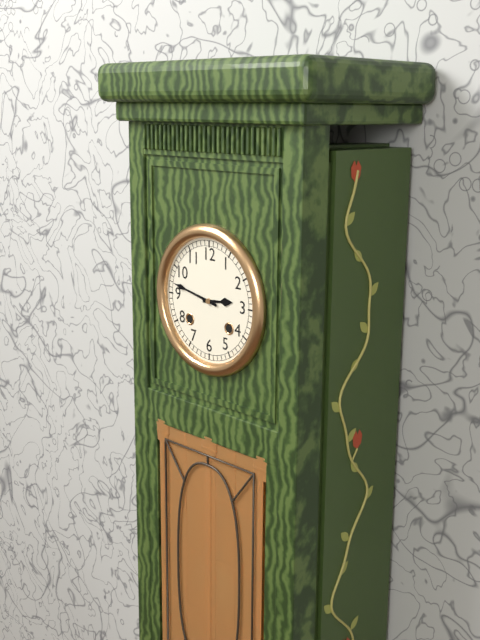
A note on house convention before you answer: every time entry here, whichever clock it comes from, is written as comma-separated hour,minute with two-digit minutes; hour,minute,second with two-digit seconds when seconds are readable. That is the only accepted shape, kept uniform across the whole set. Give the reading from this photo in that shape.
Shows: 2,47
